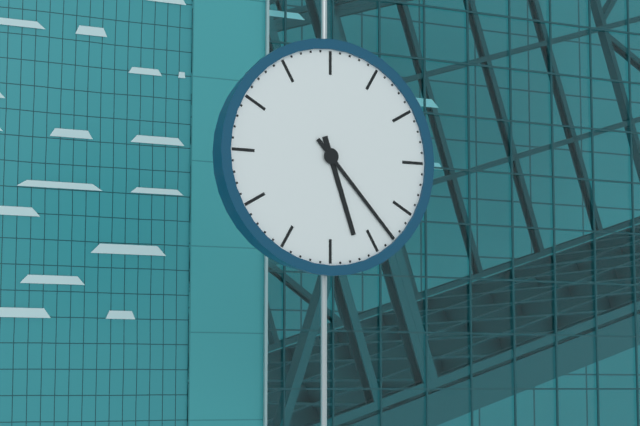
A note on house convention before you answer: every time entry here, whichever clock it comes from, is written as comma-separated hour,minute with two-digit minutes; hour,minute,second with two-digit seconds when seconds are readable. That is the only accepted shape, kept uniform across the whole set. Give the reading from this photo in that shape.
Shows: 5,23
